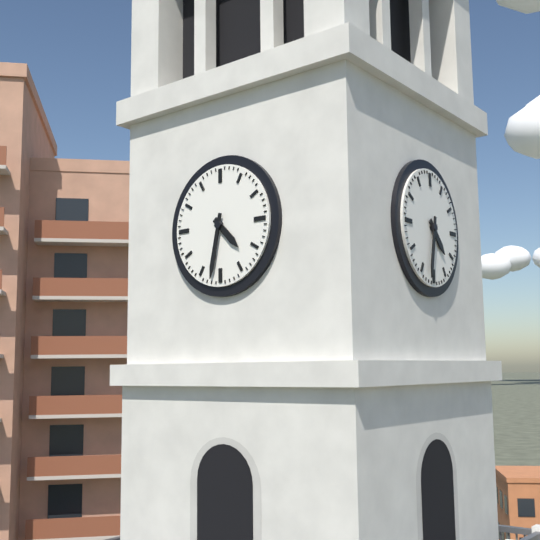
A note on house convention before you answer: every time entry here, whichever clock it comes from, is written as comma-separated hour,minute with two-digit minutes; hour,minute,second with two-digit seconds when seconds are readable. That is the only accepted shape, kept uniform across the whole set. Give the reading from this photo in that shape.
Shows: 4,32
